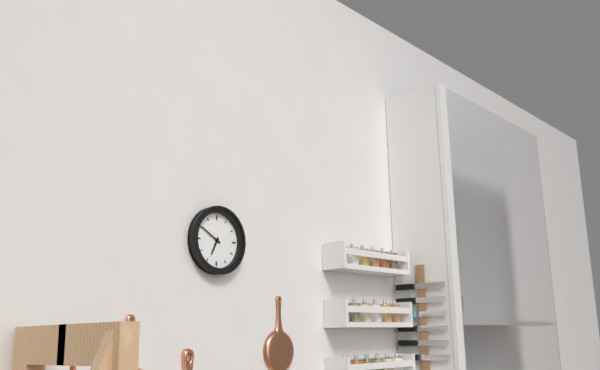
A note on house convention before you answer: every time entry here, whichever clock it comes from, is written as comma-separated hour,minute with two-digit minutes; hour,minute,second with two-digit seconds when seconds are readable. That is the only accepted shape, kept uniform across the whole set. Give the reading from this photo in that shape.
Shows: 6,50
